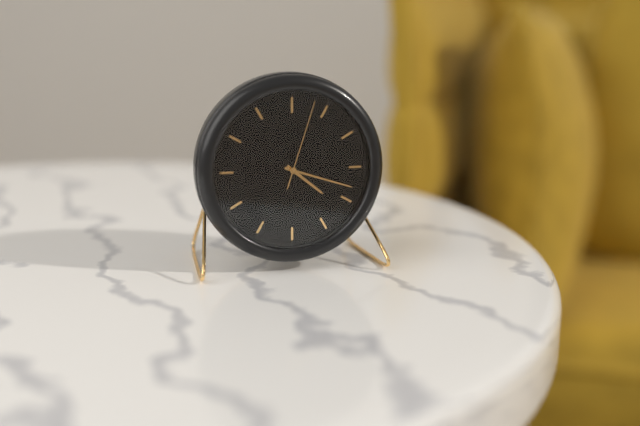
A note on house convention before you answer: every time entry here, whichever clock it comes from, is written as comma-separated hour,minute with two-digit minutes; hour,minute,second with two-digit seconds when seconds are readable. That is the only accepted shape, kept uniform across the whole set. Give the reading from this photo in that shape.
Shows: 4,18,03
